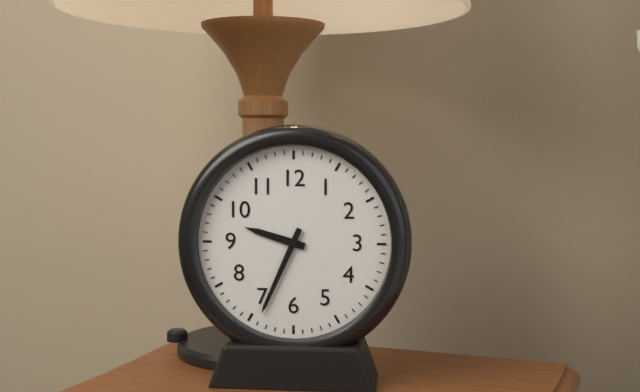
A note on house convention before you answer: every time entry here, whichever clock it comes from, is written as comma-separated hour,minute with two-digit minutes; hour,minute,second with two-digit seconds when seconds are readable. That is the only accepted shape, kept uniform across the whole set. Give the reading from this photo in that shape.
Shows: 9,34
